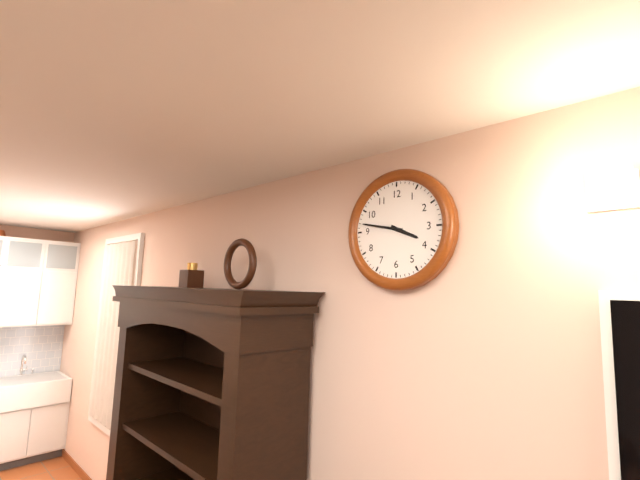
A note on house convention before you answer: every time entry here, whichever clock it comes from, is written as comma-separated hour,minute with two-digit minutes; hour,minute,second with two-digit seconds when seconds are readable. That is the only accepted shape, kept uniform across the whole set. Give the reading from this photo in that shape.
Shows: 3,47
